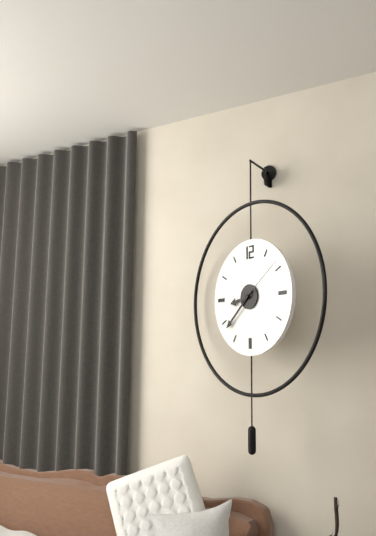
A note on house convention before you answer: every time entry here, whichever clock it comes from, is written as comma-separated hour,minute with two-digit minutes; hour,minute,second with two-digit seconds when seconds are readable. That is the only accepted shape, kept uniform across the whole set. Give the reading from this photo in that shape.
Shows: 8,38,09
